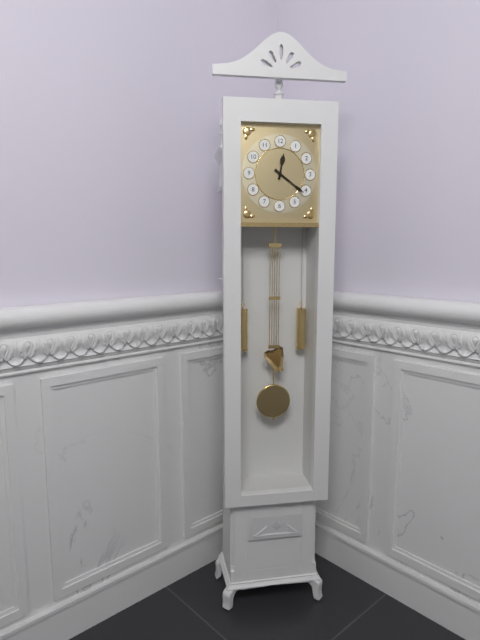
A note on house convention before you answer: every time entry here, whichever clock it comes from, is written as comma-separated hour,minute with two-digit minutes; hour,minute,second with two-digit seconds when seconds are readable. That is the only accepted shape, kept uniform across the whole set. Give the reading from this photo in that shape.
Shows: 12,21
